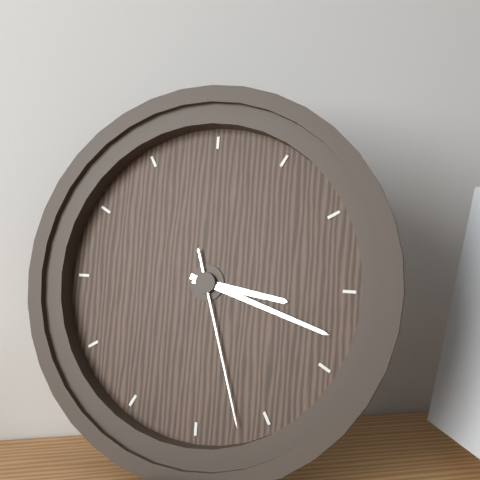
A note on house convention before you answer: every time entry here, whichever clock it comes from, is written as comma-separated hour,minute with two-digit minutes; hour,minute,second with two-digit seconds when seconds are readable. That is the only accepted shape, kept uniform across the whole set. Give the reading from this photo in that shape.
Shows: 3,18,27
